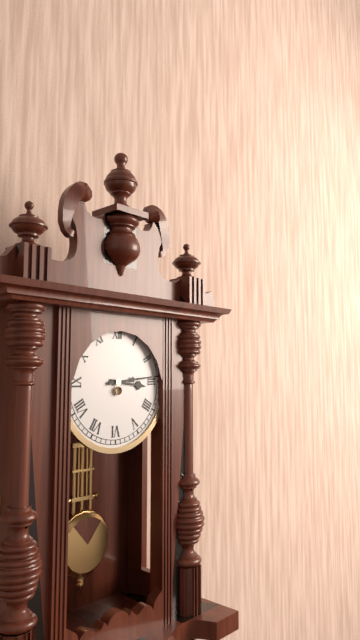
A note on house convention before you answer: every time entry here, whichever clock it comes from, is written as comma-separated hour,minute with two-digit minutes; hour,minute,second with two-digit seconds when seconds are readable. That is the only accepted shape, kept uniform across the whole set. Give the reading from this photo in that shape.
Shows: 3,14
